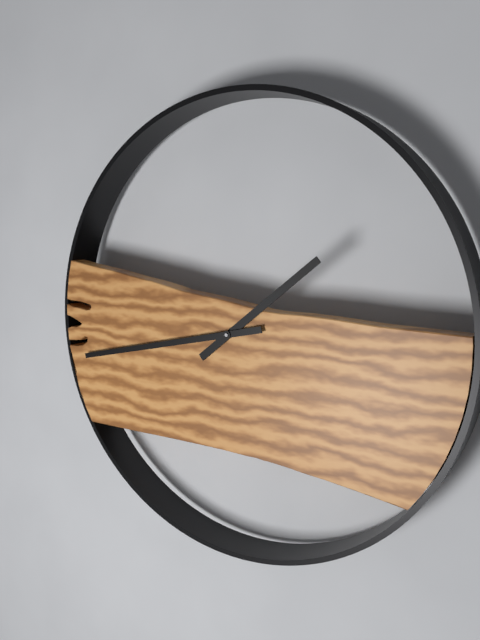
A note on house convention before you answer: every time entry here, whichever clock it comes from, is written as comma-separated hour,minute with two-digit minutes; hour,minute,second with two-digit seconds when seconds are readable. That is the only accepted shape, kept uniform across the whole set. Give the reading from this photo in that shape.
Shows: 1,43
